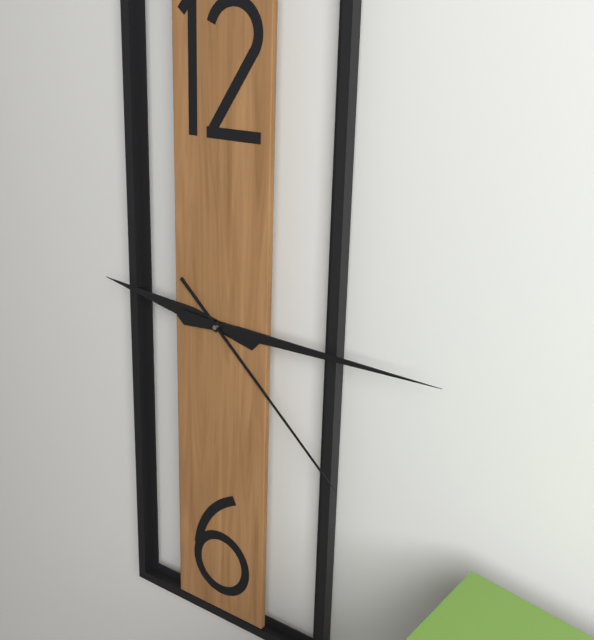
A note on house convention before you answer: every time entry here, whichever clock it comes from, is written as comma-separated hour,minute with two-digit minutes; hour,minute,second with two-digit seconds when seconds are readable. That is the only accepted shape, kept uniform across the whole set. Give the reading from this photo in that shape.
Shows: 9,15,22
